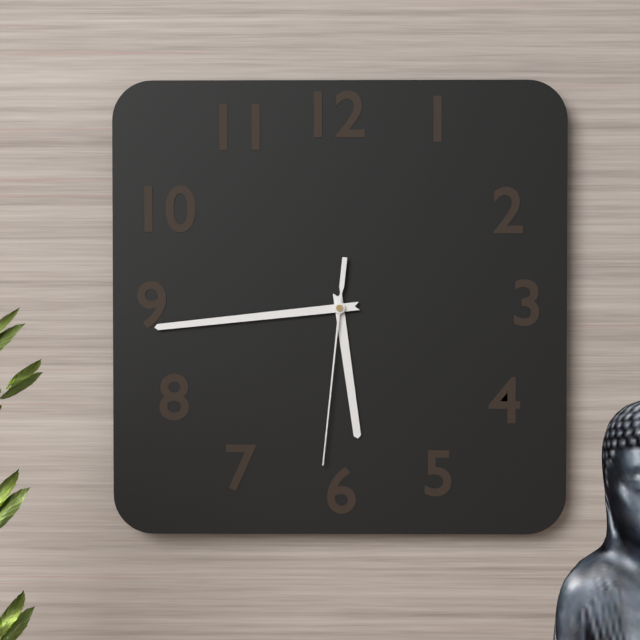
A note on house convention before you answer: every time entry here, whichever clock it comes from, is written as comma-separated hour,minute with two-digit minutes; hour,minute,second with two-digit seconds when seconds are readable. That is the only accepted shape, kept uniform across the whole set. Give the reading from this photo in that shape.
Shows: 5,44,31
